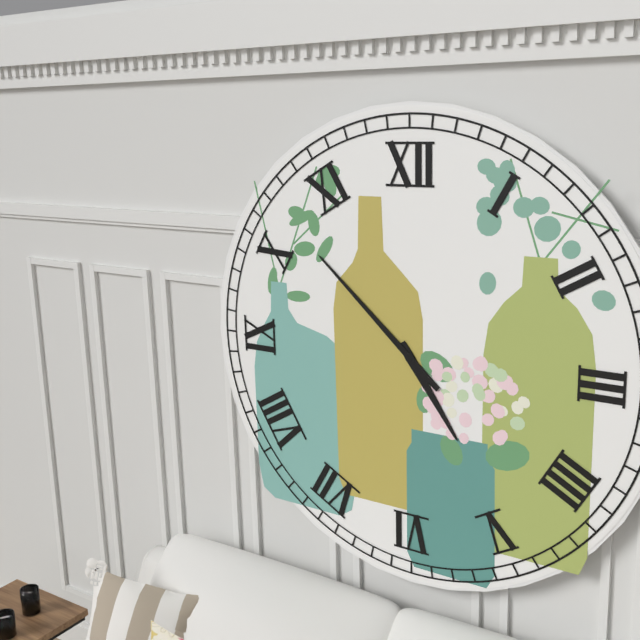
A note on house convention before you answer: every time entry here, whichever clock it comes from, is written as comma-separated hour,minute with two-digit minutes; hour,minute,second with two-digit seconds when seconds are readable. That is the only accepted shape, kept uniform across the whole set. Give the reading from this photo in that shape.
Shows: 4,52
